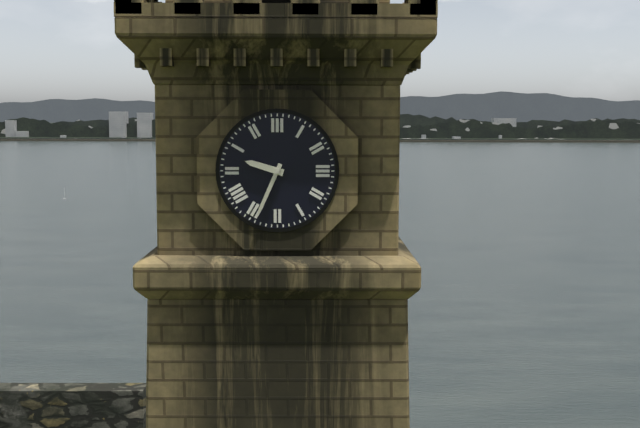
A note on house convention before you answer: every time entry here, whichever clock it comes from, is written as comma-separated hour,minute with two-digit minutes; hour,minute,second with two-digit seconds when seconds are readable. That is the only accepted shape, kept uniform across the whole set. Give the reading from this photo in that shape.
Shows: 9,34
